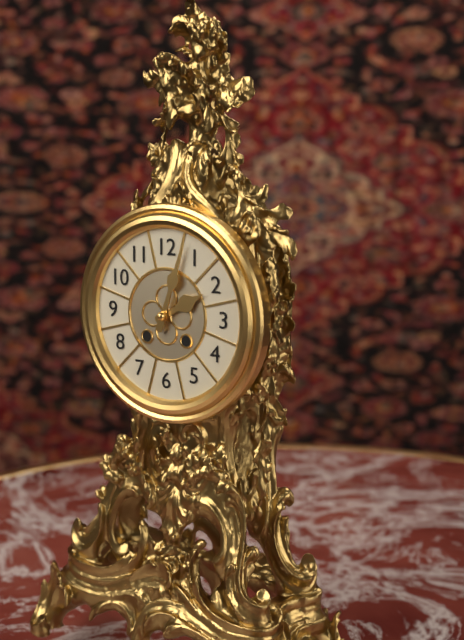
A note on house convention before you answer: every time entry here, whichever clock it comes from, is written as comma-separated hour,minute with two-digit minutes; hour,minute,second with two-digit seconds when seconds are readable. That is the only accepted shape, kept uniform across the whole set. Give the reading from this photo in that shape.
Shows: 2,03
